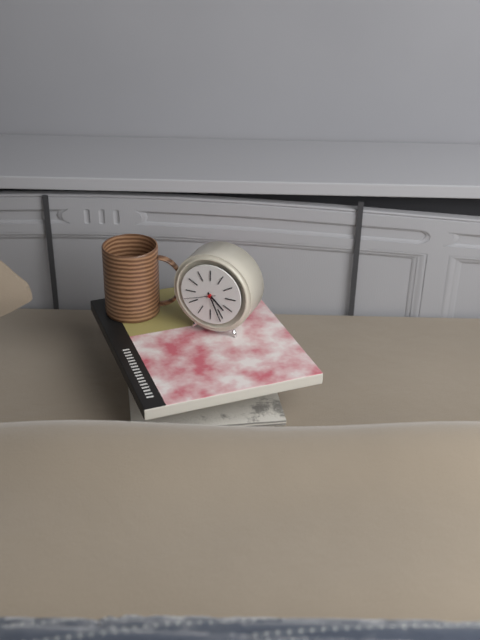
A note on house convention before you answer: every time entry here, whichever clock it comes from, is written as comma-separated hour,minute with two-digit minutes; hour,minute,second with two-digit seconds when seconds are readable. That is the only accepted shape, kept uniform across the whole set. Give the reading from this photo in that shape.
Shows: 4,26
